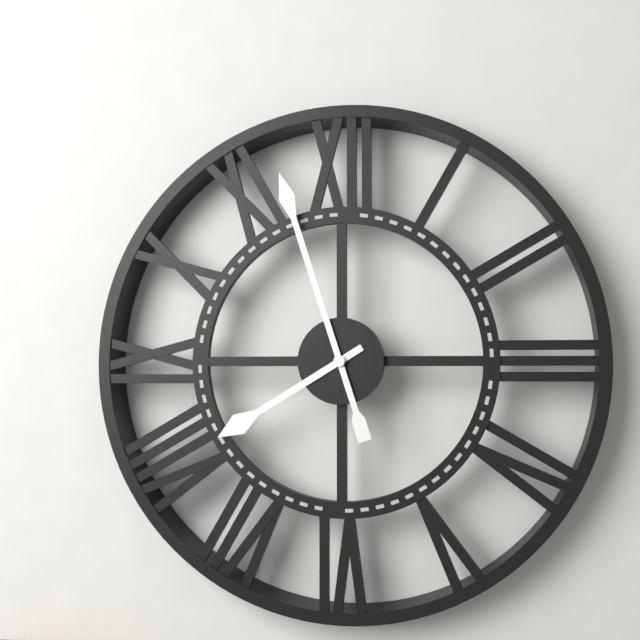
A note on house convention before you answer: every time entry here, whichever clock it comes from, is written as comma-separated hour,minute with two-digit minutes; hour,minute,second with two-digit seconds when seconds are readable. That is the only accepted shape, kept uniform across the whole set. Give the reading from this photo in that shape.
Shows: 7,57
